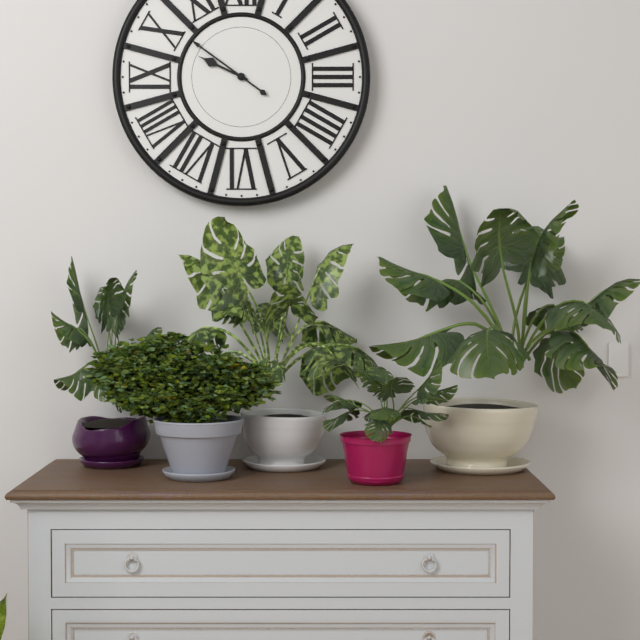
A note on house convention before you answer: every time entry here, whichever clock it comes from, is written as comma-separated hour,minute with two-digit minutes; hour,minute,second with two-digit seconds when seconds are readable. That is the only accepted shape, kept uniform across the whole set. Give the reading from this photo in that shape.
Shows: 9,51
